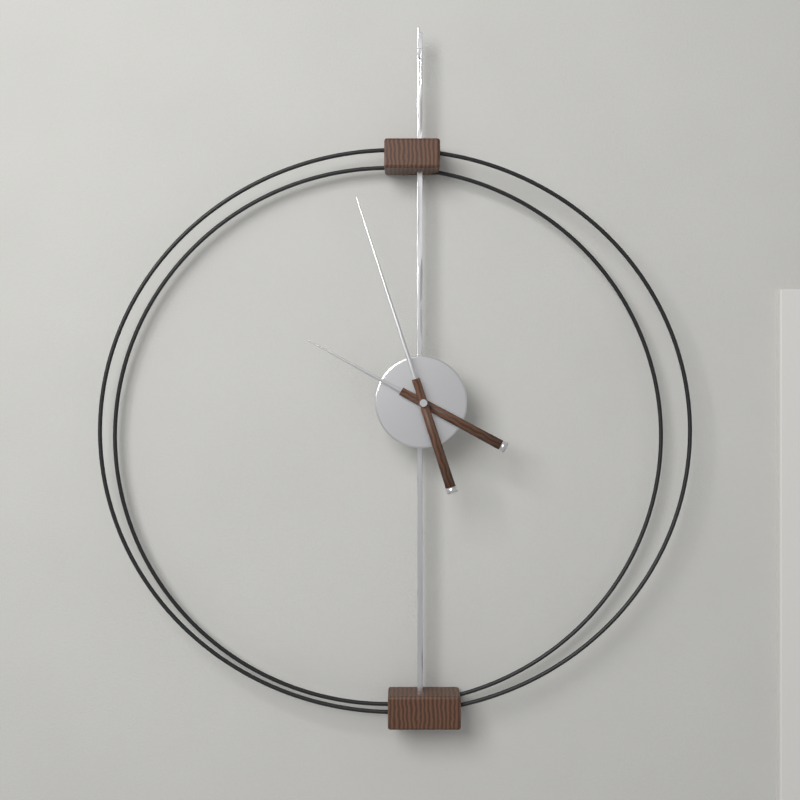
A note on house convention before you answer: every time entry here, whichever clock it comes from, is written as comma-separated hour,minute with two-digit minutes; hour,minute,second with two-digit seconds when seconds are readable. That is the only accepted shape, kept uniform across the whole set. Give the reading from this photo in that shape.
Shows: 9,57
